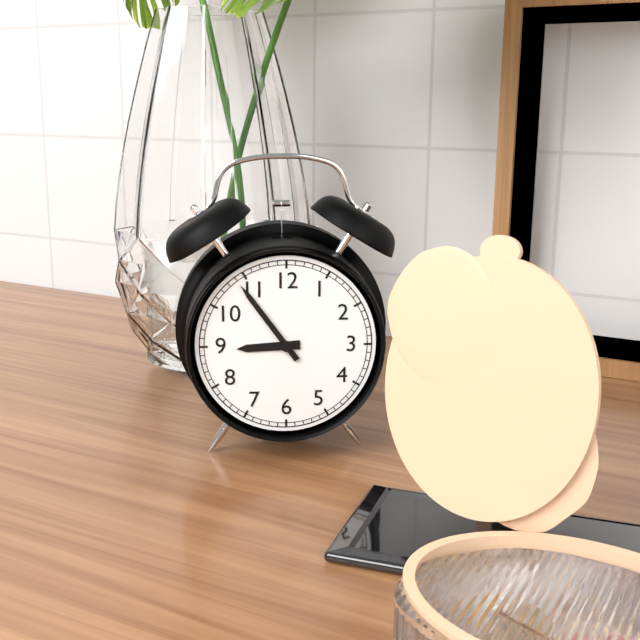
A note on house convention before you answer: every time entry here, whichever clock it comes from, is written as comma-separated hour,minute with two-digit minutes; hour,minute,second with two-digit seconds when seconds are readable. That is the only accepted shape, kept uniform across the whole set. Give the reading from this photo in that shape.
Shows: 8,54
